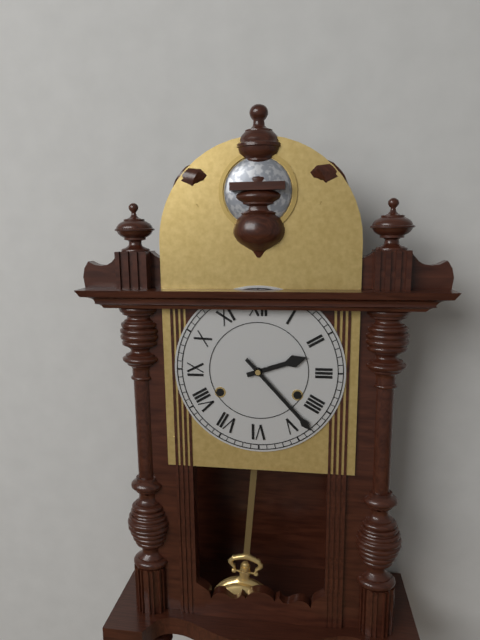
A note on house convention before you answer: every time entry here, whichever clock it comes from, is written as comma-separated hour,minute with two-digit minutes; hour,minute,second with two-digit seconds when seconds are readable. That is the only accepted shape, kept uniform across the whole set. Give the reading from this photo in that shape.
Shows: 2,23
